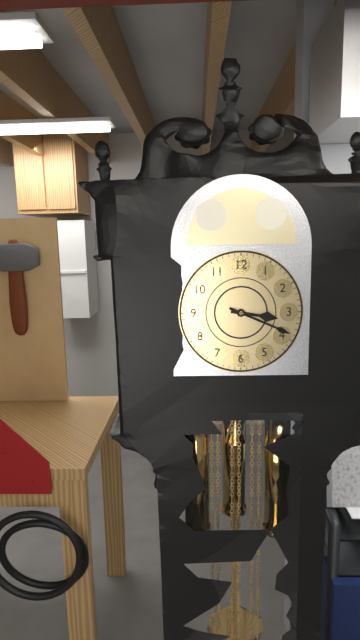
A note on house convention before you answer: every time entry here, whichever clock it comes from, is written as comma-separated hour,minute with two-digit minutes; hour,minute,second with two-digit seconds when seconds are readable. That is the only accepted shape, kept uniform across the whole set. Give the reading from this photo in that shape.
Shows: 3,19
